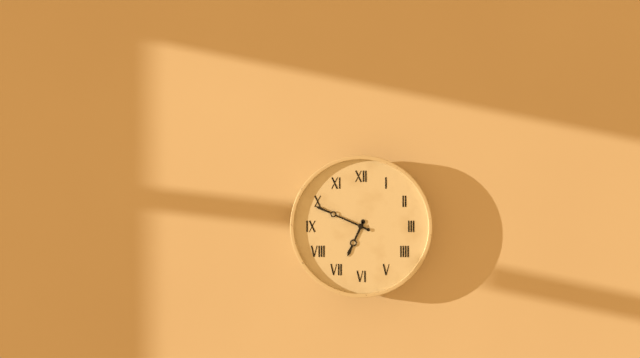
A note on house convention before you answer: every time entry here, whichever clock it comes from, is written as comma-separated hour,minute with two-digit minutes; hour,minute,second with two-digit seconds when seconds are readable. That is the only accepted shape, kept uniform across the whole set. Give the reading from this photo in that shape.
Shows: 6,49
